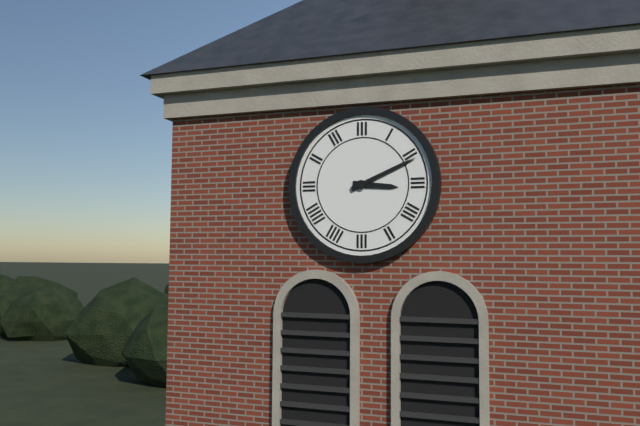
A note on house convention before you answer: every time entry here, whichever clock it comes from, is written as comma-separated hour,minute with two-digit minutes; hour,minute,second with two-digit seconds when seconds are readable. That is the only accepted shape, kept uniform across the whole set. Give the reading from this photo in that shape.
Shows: 3,11
